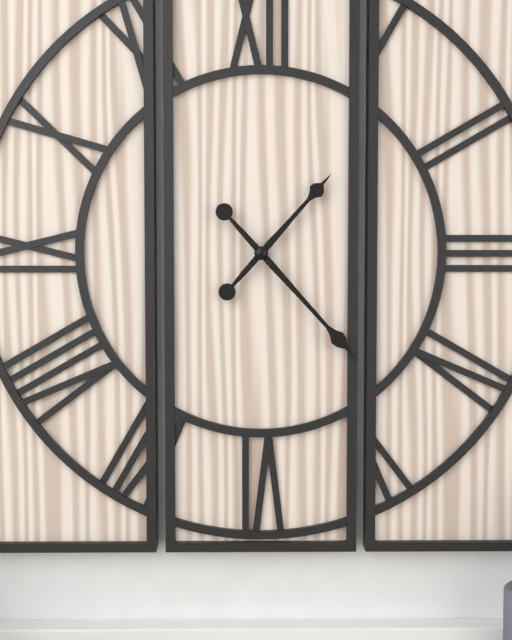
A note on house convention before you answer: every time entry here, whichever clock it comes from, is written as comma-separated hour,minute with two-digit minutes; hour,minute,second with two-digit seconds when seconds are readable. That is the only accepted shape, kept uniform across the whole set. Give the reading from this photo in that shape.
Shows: 1,23
